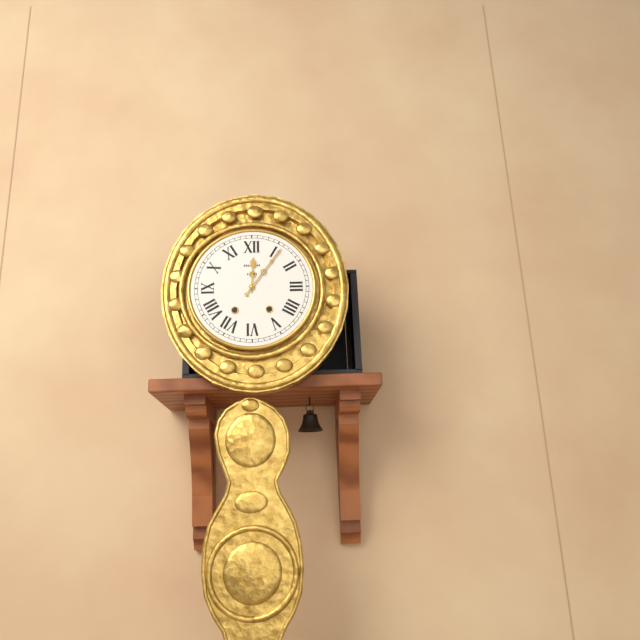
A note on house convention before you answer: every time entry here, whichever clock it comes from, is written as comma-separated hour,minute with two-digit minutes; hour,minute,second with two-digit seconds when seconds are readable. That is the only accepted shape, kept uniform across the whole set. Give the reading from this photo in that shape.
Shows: 12,06
